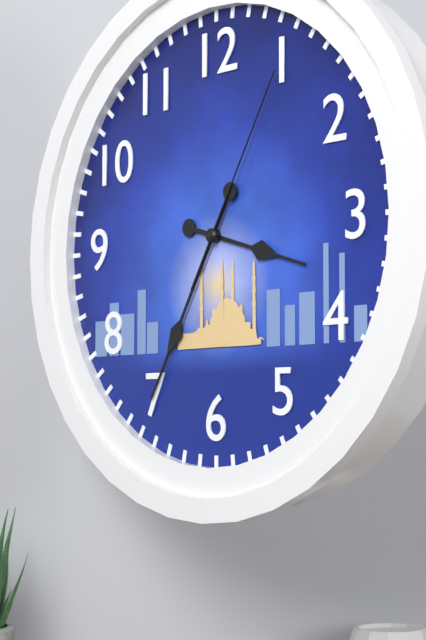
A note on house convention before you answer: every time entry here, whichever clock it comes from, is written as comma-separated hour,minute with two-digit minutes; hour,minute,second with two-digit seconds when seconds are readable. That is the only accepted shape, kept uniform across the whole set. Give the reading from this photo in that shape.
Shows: 3,35,05
